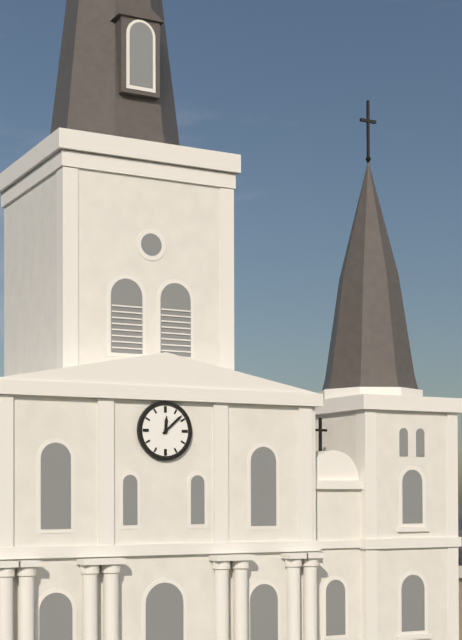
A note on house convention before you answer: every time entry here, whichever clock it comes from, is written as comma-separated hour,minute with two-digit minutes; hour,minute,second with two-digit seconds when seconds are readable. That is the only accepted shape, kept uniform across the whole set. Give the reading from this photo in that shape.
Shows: 12,08
